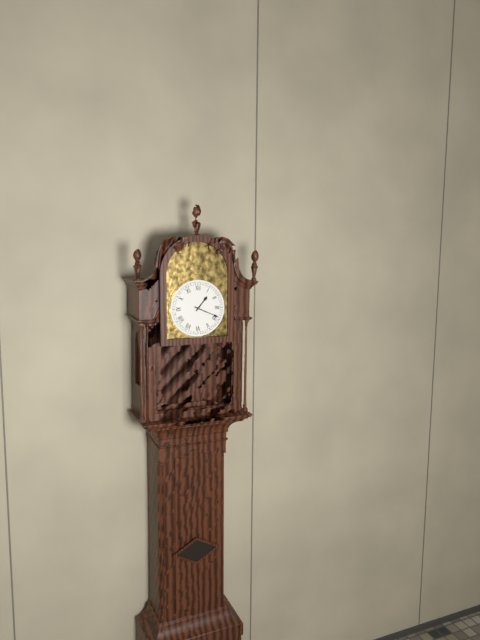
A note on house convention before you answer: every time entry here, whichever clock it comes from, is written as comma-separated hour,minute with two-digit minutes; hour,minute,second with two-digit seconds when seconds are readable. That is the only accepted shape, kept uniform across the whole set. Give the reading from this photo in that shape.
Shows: 1,19
